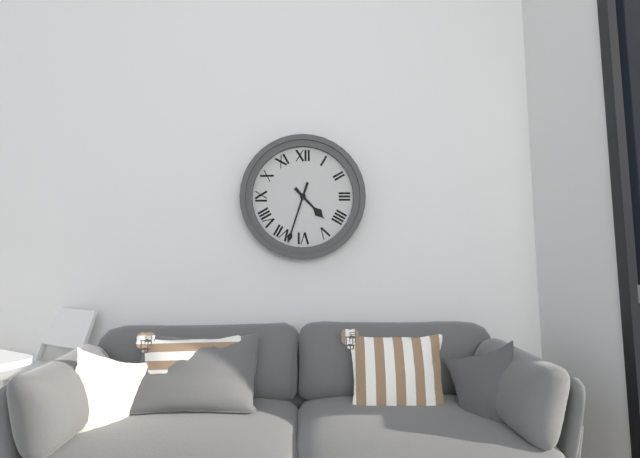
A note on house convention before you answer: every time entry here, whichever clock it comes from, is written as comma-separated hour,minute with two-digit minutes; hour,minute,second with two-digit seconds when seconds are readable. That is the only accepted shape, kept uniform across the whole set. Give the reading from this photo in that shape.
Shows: 4,33
